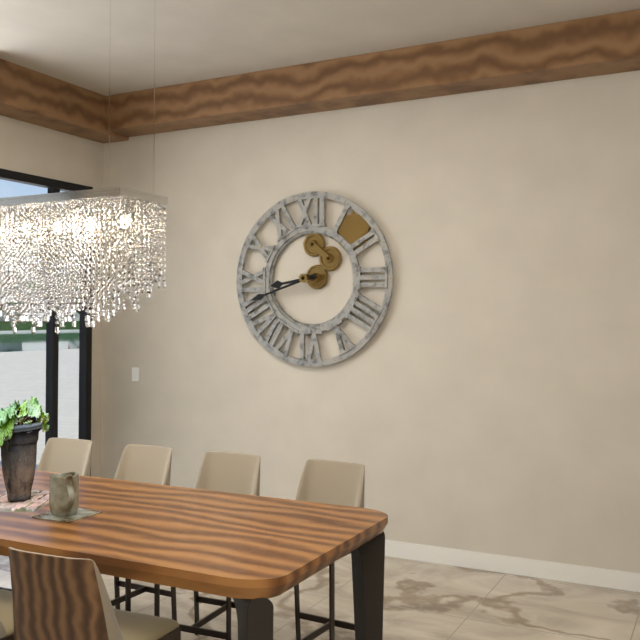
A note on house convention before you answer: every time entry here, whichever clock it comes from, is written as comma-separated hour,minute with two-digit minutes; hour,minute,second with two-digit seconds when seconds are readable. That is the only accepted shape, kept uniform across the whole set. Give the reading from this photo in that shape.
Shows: 8,42
